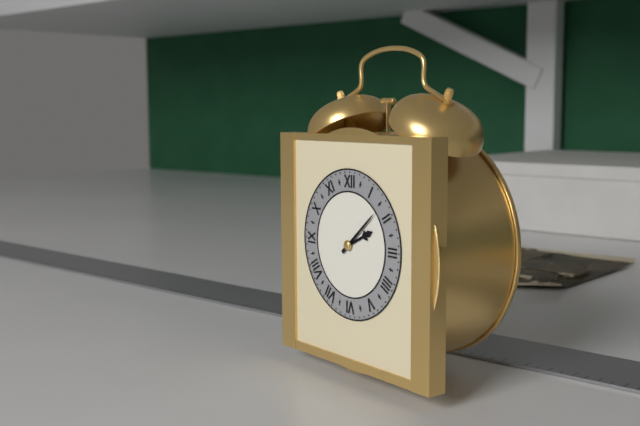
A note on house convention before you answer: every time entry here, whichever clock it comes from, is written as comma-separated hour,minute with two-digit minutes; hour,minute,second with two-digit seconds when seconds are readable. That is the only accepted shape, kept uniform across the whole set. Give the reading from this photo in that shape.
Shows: 2,08
